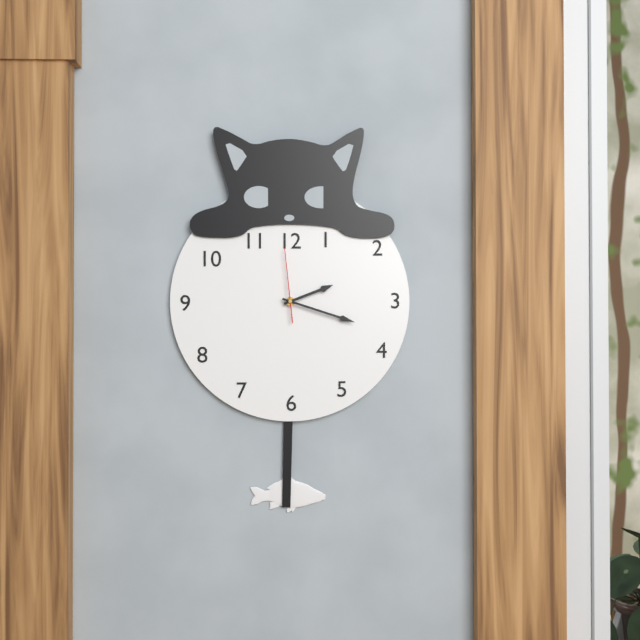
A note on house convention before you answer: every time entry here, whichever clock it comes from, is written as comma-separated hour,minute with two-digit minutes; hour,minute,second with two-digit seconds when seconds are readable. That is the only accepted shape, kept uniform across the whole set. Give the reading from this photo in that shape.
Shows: 2,18,59
